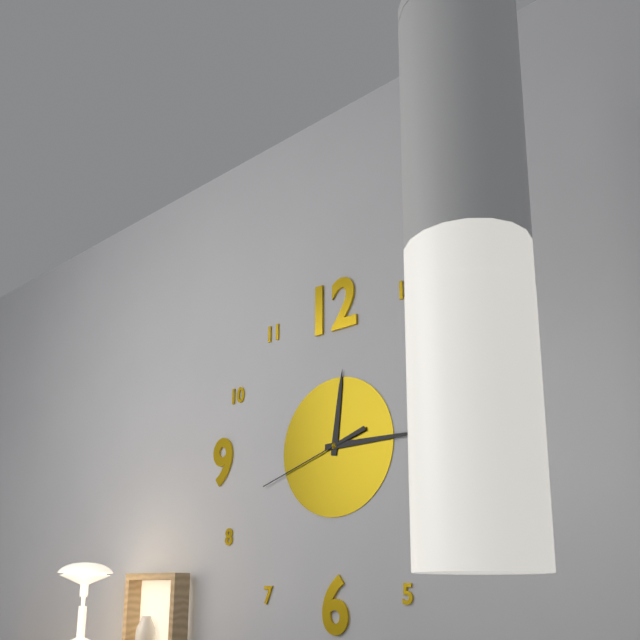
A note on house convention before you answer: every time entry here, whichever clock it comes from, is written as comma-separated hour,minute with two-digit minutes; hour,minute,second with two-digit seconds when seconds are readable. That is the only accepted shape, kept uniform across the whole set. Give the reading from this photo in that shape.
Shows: 12,15,42
